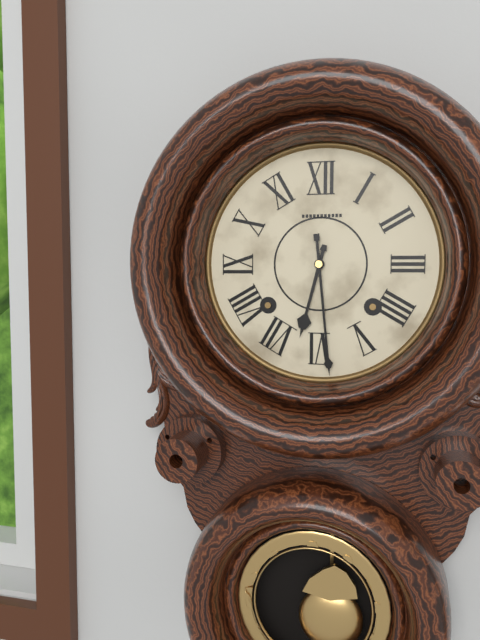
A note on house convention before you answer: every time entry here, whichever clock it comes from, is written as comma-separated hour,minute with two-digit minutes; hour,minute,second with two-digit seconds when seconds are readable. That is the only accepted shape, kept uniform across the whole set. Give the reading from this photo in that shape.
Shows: 6,29
